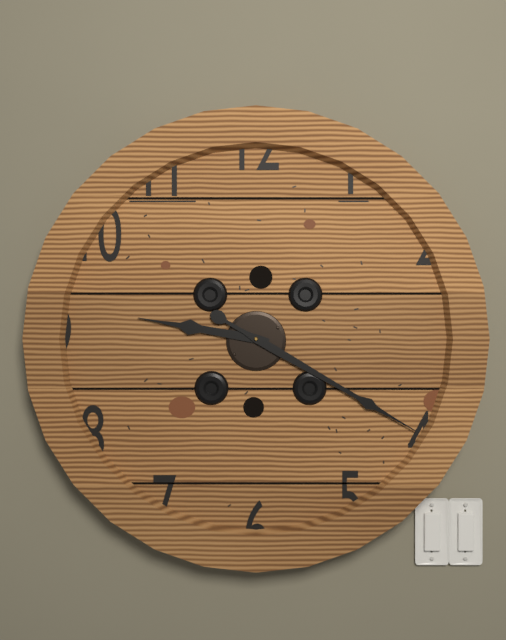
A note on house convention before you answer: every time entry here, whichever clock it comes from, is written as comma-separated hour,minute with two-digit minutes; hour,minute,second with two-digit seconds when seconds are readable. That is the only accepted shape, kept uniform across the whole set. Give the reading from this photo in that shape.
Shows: 9,20
